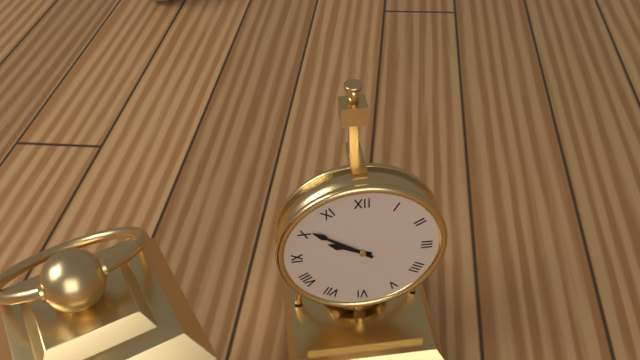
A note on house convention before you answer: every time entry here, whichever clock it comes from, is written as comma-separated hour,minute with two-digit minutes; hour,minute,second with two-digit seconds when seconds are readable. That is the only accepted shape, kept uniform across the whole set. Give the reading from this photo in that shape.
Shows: 9,51
